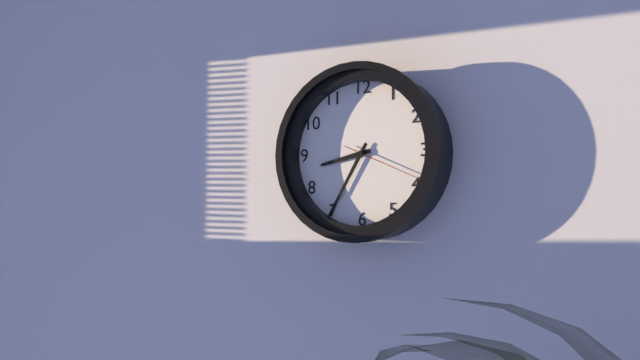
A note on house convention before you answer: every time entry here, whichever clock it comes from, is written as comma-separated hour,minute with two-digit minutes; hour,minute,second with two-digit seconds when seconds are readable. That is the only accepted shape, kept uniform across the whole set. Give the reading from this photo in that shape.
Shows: 8,35,19
